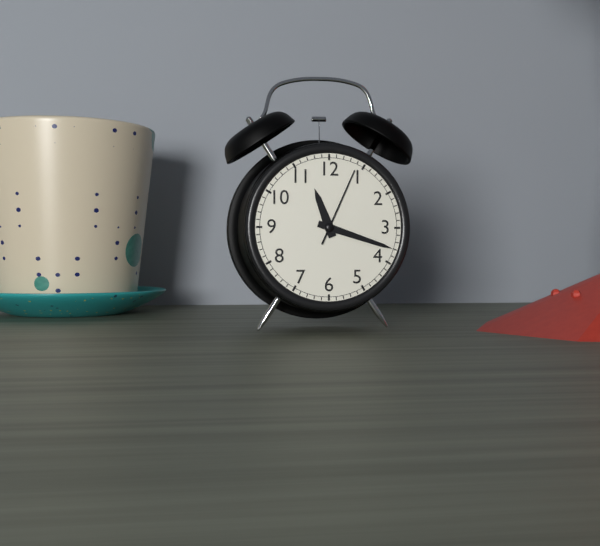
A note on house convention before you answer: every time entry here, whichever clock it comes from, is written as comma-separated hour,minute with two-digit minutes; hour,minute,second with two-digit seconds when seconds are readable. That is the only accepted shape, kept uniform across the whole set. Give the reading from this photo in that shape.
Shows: 11,18,04
